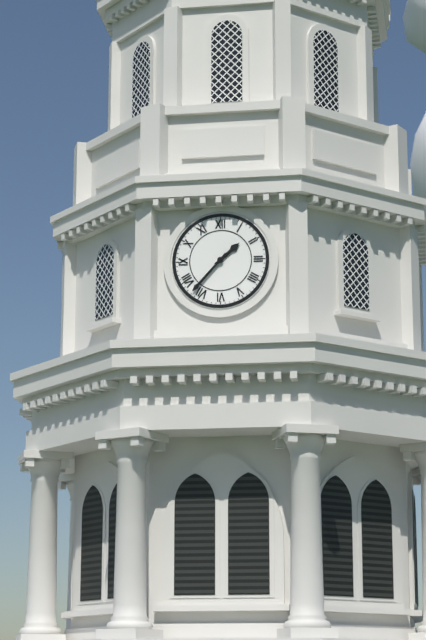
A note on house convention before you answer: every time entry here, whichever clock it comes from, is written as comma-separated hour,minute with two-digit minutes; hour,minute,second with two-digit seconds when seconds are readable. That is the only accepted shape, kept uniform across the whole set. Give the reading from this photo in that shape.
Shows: 1,37
